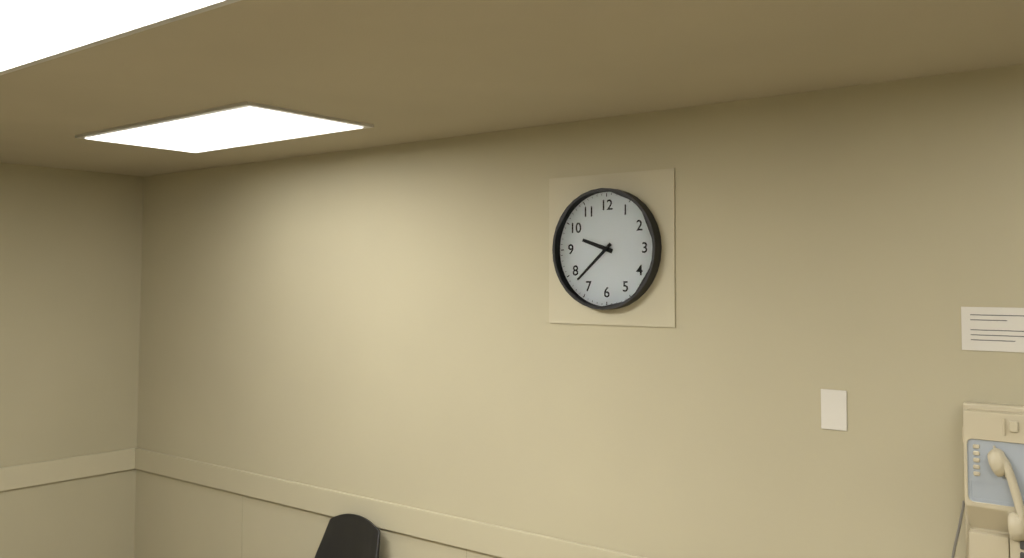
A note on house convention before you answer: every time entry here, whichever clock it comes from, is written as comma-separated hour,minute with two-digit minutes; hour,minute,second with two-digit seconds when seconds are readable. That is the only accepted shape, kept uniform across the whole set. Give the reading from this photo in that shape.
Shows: 9,38
